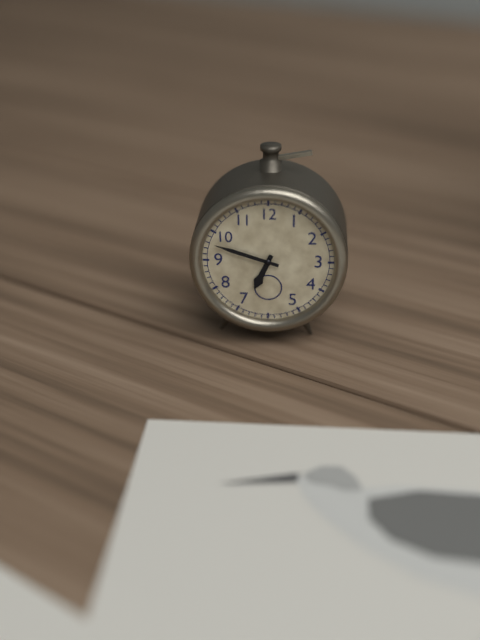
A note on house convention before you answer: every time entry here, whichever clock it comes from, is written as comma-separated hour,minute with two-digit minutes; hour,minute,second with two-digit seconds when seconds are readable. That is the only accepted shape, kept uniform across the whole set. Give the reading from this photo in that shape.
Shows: 6,48
